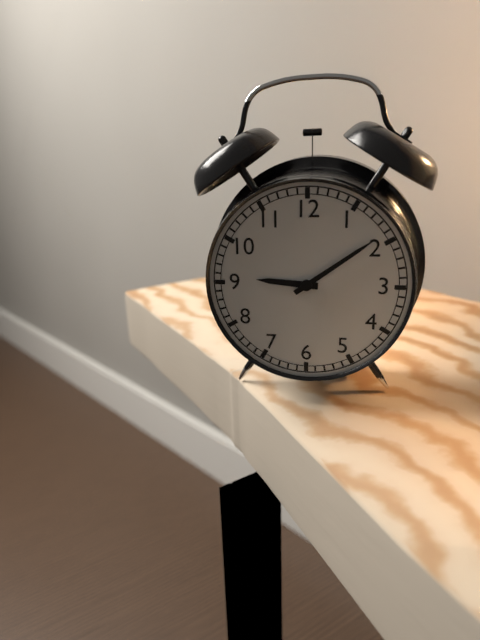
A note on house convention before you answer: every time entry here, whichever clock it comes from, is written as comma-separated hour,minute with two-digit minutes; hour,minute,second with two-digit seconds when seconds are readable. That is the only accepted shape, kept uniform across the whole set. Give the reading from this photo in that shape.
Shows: 9,09
